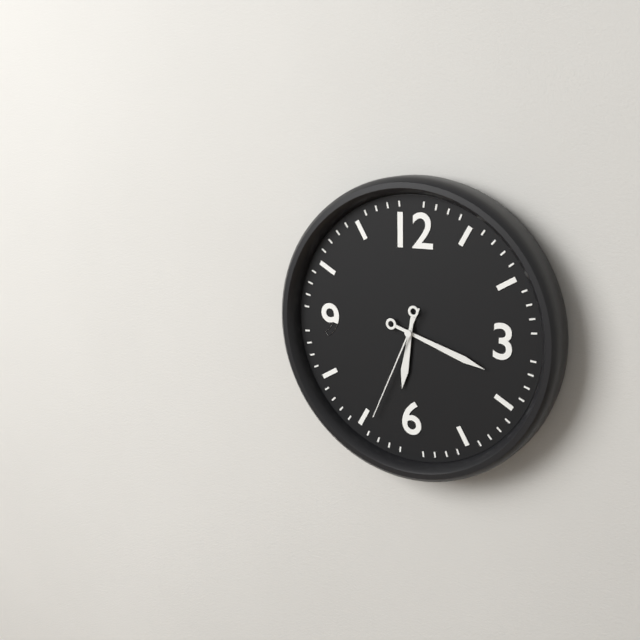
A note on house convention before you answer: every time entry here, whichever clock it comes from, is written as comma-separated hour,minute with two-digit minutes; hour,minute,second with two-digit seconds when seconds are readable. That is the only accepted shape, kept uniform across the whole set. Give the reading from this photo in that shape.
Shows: 6,18,34
